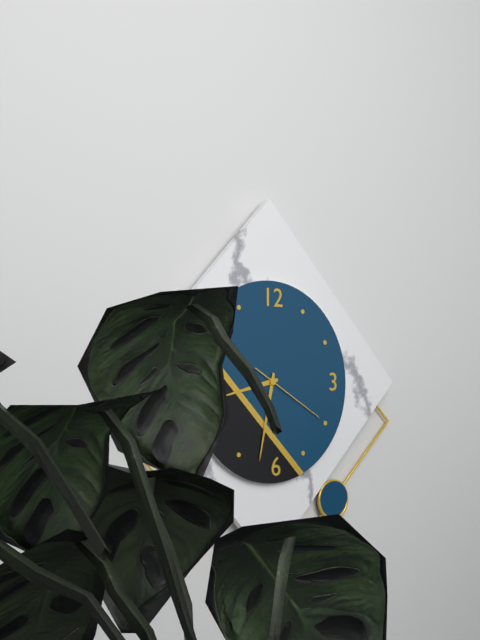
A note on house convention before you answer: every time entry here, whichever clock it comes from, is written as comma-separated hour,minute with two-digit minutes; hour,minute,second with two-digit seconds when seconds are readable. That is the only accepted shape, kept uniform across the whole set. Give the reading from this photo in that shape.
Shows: 8,32,20
